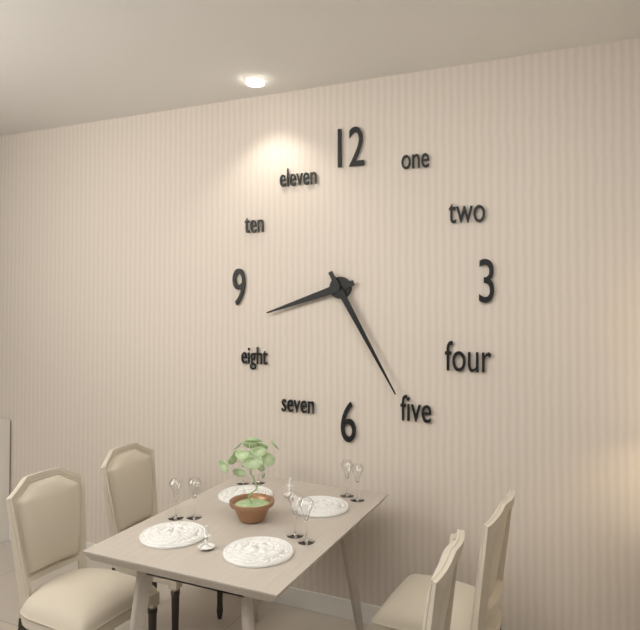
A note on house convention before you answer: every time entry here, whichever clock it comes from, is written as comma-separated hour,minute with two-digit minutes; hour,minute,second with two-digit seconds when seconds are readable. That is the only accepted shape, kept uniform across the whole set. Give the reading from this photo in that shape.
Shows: 8,25
